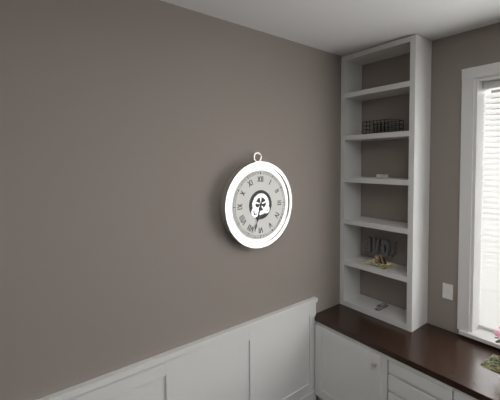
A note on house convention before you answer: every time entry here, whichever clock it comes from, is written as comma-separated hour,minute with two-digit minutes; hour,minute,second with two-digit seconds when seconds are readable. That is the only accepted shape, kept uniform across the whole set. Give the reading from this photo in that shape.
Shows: 6,33
